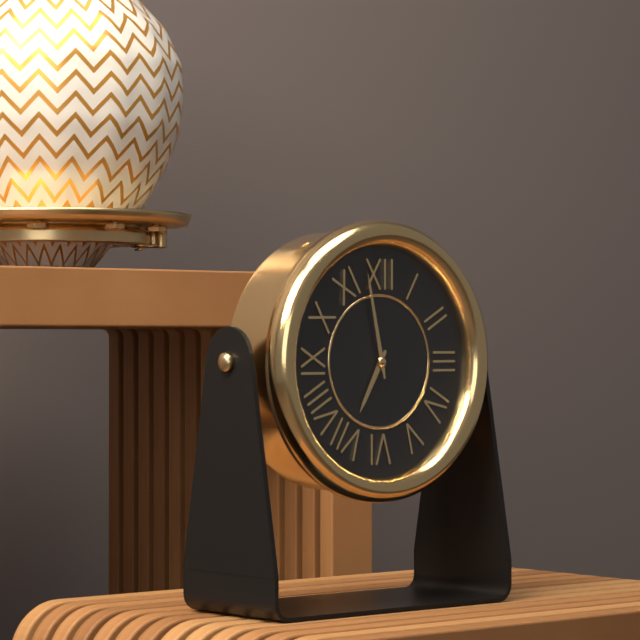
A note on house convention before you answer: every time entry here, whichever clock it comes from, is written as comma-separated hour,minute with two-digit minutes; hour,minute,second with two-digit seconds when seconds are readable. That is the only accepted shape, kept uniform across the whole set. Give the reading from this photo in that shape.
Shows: 6,58
